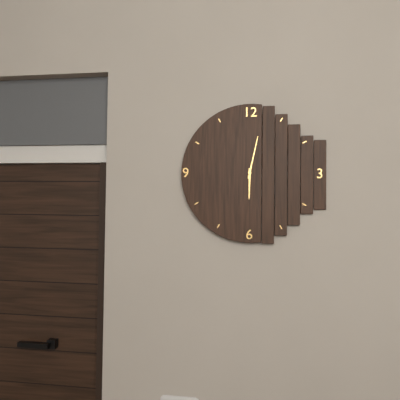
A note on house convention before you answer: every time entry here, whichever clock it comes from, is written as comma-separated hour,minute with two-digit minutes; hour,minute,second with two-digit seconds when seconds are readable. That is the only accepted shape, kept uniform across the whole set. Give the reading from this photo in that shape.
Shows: 6,02
